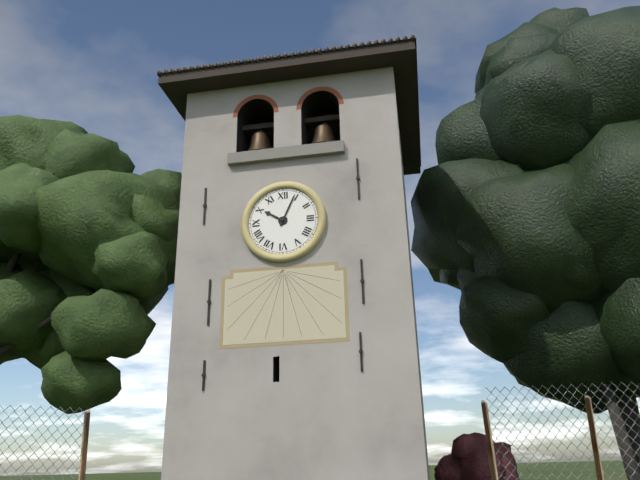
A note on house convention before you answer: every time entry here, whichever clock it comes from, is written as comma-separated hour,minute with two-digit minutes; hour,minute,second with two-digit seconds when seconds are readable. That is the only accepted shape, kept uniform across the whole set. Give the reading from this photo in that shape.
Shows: 10,04
